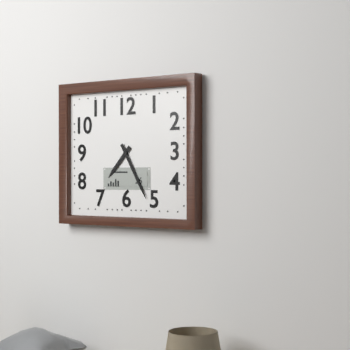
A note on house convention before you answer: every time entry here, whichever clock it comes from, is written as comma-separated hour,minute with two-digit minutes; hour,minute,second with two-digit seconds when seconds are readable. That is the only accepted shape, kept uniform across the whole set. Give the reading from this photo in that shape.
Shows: 7,25
